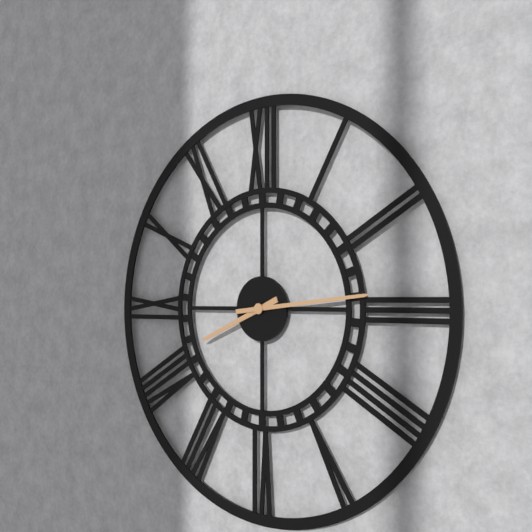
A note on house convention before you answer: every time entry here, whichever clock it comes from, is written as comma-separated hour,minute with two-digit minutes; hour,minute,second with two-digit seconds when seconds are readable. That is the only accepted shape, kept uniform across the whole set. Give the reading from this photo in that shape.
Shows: 8,14
